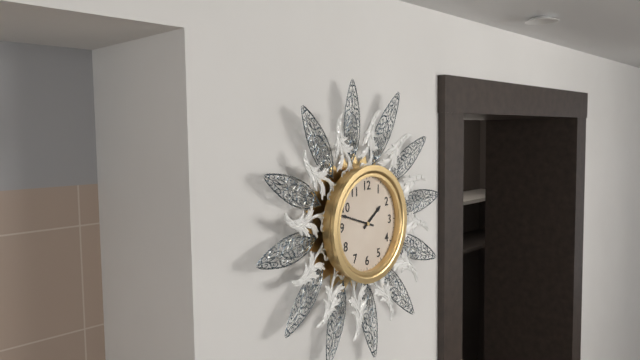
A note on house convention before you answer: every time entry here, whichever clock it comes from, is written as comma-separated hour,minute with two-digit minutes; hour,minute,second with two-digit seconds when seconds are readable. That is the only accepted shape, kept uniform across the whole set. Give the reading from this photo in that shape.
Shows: 1,48
